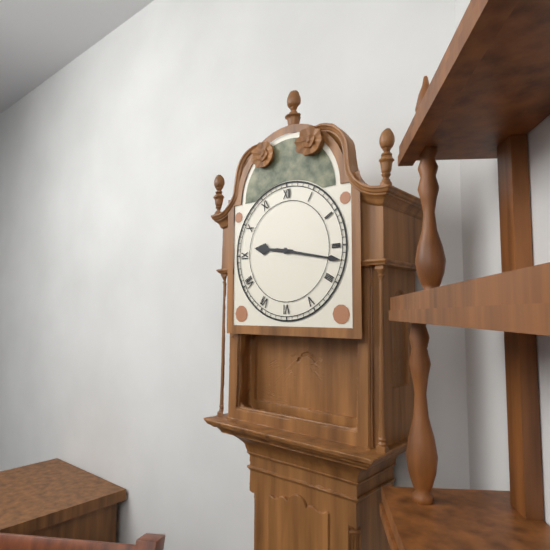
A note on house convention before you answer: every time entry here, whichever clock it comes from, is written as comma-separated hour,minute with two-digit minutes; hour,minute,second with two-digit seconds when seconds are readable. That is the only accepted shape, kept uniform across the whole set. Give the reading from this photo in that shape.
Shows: 9,17
